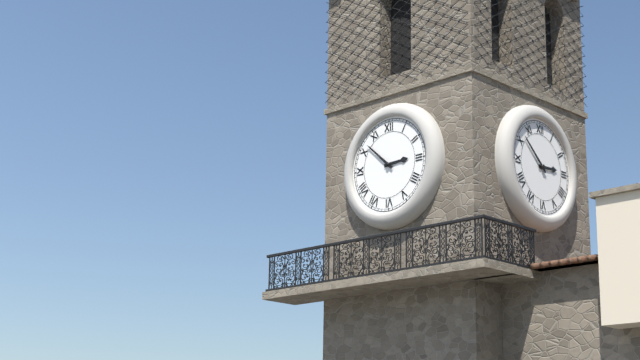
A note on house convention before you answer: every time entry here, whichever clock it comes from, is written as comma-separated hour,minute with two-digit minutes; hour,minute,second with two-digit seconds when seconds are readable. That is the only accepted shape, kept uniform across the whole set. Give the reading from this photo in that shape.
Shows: 2,52
